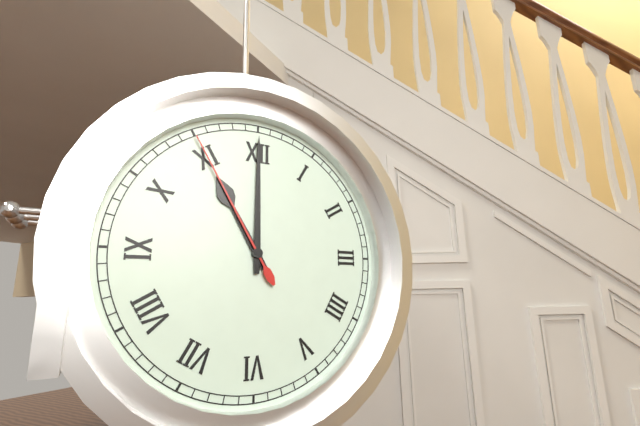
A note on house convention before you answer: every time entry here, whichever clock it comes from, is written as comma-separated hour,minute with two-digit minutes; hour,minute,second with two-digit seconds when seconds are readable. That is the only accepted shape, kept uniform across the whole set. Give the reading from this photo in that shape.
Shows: 11,00,55
